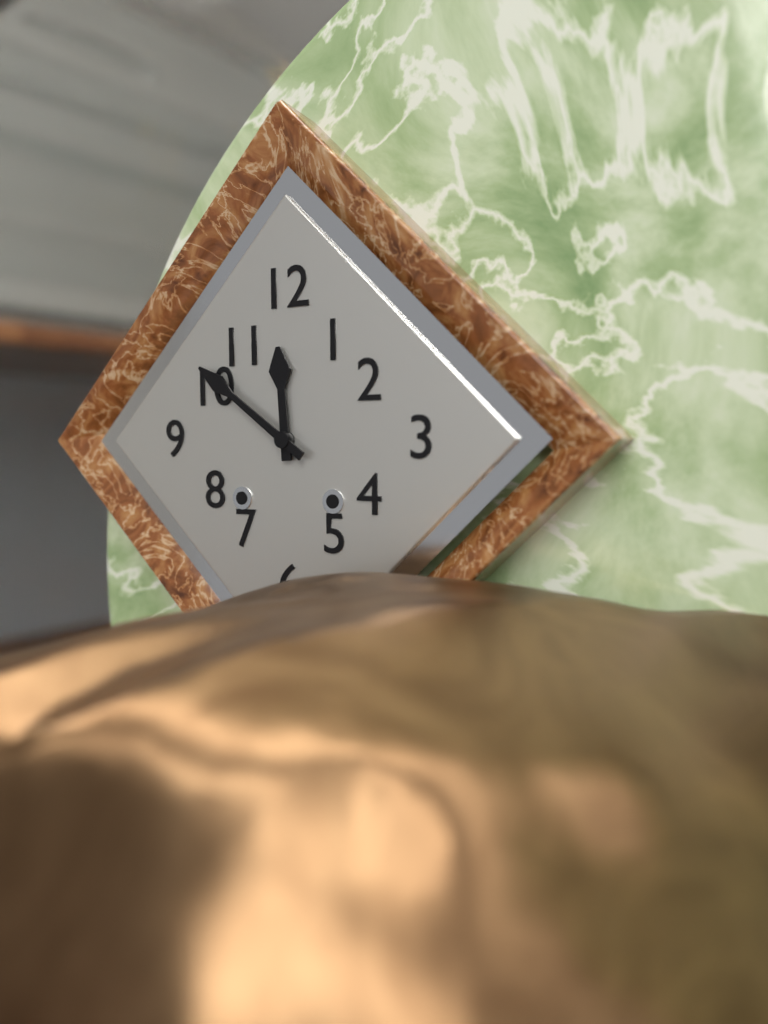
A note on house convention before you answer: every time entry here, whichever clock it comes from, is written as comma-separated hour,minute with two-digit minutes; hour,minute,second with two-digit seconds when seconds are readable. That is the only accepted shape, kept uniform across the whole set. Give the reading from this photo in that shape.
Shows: 11,51
